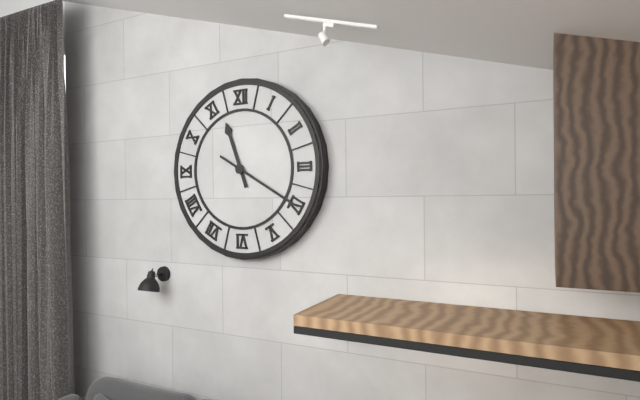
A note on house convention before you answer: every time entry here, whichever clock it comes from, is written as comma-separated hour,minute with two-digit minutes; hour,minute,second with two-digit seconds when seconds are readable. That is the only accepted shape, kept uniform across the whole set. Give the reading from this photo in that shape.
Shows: 11,20
